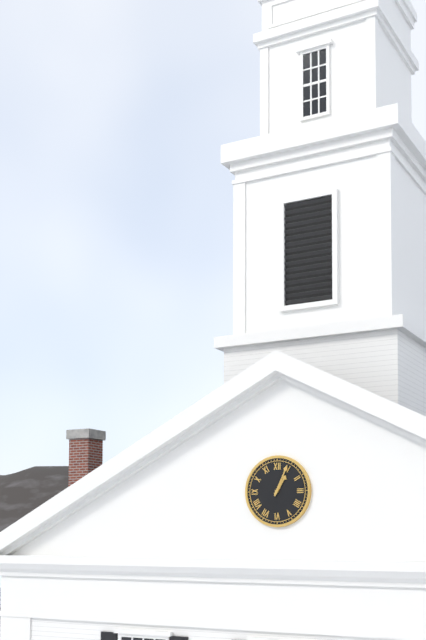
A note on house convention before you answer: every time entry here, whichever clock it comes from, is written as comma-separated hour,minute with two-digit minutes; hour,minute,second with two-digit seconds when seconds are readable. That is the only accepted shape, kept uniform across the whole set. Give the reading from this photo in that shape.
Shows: 1,04
